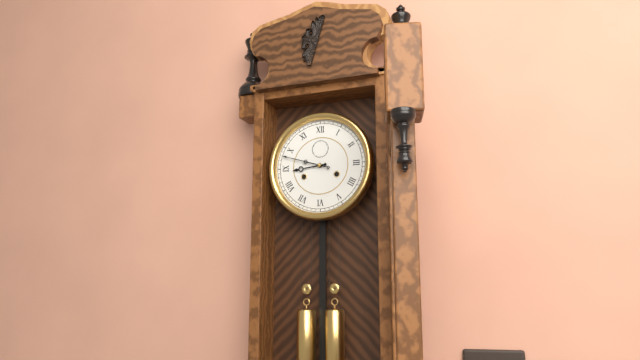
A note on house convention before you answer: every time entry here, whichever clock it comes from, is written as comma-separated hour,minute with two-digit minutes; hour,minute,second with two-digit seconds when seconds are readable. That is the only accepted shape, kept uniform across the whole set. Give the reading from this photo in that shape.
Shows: 8,48
